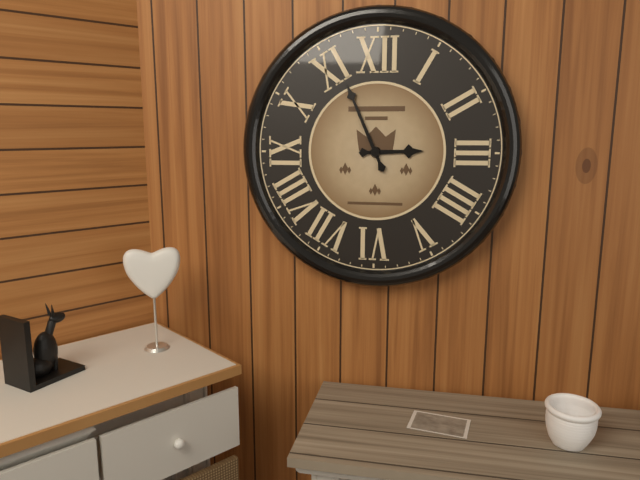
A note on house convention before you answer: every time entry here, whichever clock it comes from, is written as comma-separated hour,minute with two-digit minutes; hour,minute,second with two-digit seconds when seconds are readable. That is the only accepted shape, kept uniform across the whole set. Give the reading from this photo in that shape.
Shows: 2,56
